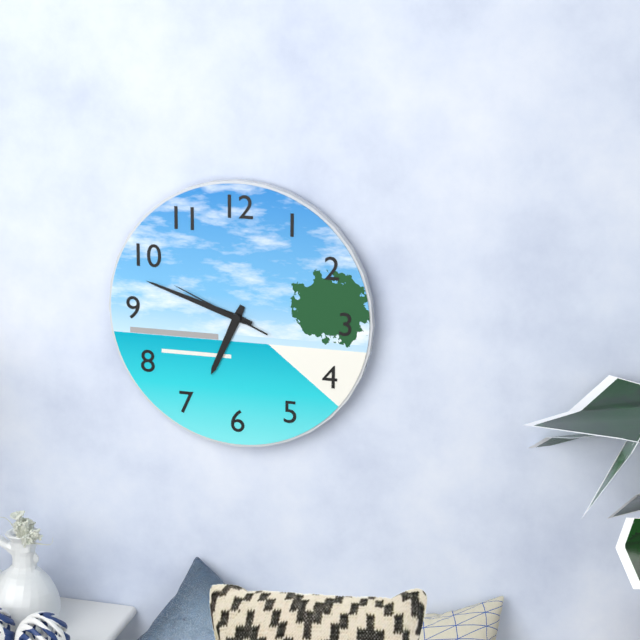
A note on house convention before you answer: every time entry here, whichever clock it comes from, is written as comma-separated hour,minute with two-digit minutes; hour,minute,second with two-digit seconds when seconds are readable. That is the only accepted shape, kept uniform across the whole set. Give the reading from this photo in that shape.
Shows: 6,48,49
